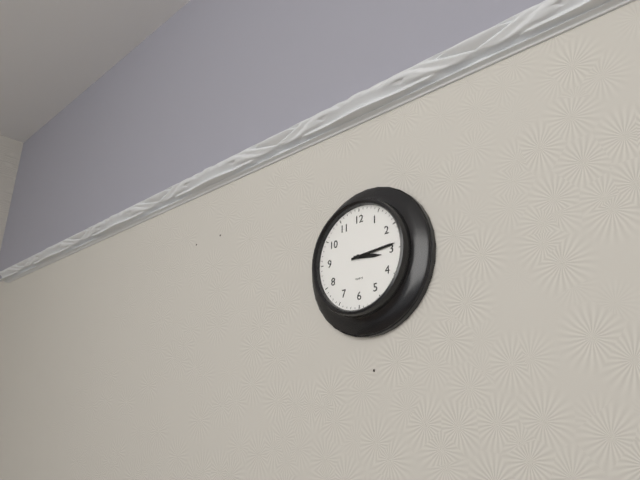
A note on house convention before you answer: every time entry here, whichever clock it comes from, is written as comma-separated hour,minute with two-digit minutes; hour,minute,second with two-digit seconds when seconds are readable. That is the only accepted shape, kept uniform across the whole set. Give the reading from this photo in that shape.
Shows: 3,14
